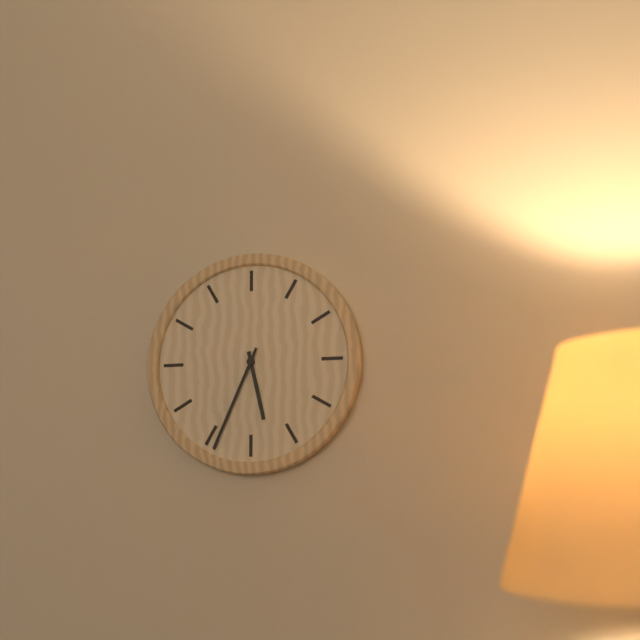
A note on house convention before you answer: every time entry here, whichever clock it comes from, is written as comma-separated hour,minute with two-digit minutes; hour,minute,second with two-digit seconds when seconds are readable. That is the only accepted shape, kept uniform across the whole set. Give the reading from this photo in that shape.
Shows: 5,34
